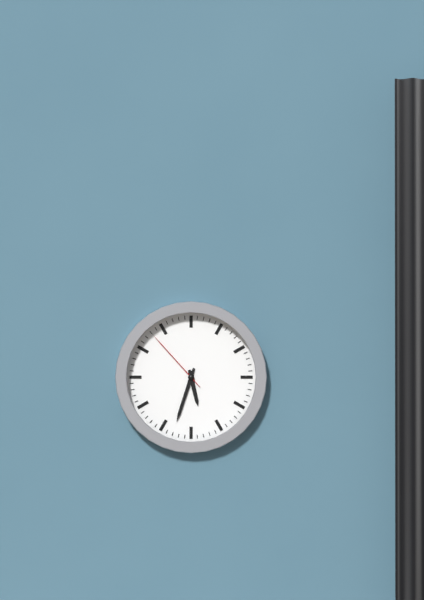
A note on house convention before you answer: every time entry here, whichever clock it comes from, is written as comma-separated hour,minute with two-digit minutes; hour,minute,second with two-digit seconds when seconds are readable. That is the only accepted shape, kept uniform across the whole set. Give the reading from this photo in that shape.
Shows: 5,33,53
